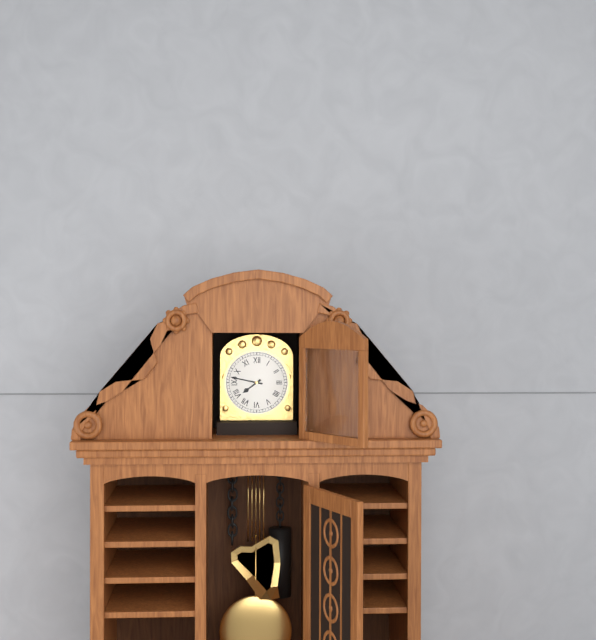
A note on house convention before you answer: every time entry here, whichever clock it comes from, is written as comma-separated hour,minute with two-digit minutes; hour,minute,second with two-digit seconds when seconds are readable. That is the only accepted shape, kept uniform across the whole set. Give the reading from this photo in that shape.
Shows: 7,47
